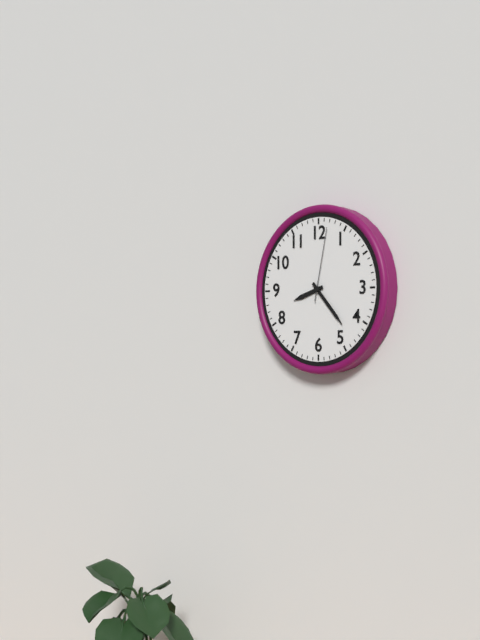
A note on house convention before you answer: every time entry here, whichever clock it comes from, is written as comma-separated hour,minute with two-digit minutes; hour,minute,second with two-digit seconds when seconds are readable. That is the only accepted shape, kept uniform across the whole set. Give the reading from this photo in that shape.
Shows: 8,23,02
